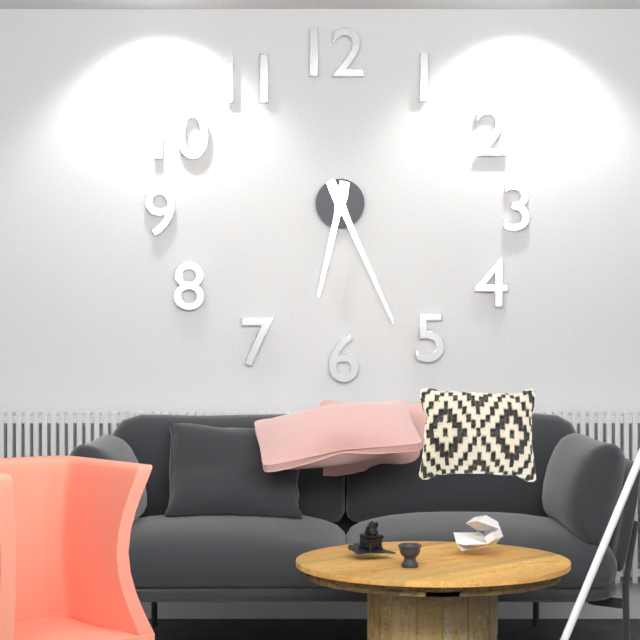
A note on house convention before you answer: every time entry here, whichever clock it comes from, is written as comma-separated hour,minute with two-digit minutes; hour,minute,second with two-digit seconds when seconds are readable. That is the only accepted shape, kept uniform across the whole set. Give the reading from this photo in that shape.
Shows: 6,26
